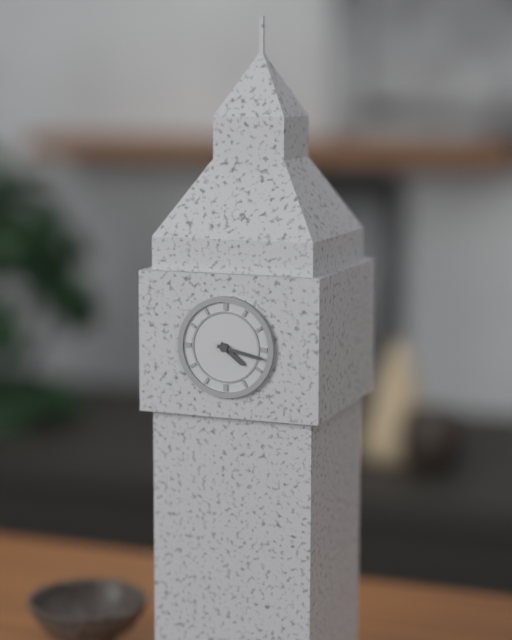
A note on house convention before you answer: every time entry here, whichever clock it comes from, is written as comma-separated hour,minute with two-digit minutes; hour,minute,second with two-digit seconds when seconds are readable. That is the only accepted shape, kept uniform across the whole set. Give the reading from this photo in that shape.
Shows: 4,17
